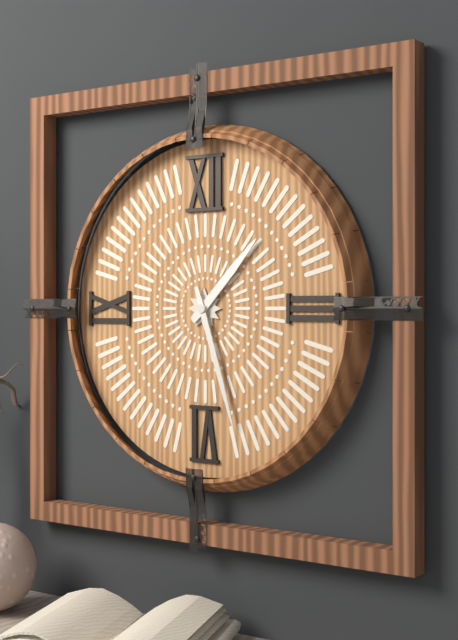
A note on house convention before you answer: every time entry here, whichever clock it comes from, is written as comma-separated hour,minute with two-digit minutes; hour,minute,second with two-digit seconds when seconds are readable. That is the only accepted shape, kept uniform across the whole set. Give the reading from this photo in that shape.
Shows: 1,27
